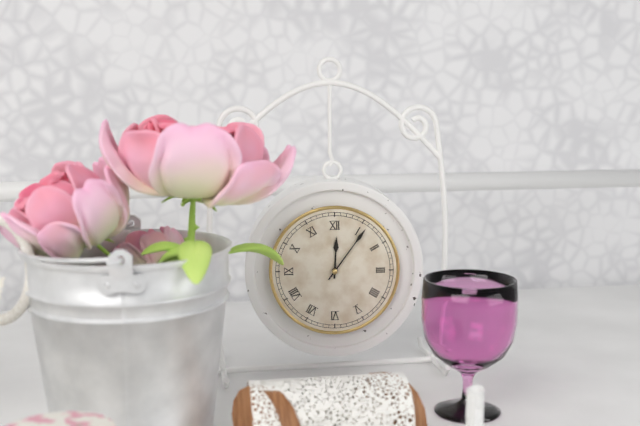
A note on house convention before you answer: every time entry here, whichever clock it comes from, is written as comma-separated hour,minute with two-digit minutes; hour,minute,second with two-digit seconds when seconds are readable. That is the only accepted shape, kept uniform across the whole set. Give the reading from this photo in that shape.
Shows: 12,06
